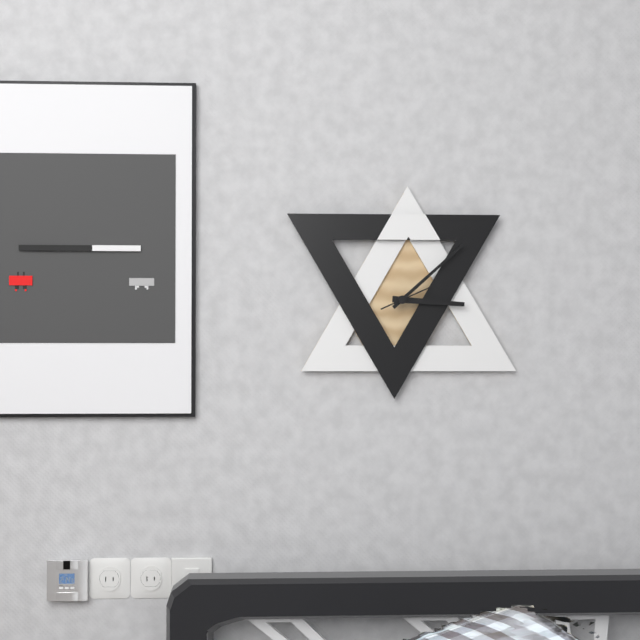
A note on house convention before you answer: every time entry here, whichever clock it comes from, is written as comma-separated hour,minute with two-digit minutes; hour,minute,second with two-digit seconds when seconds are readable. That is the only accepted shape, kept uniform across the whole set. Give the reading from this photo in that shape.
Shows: 3,08
